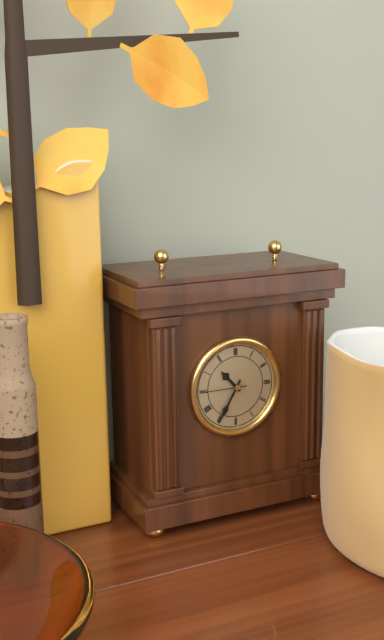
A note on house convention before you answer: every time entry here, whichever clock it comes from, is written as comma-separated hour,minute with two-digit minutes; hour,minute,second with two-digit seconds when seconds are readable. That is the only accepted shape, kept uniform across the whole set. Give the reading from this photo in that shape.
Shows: 10,35
